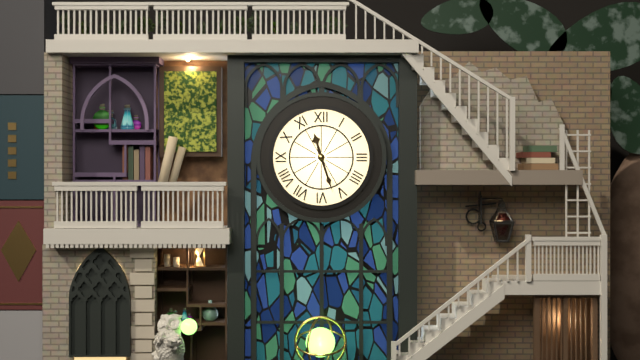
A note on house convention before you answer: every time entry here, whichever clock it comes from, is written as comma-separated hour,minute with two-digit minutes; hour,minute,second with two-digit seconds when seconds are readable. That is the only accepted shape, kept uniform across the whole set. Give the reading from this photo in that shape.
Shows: 11,27
